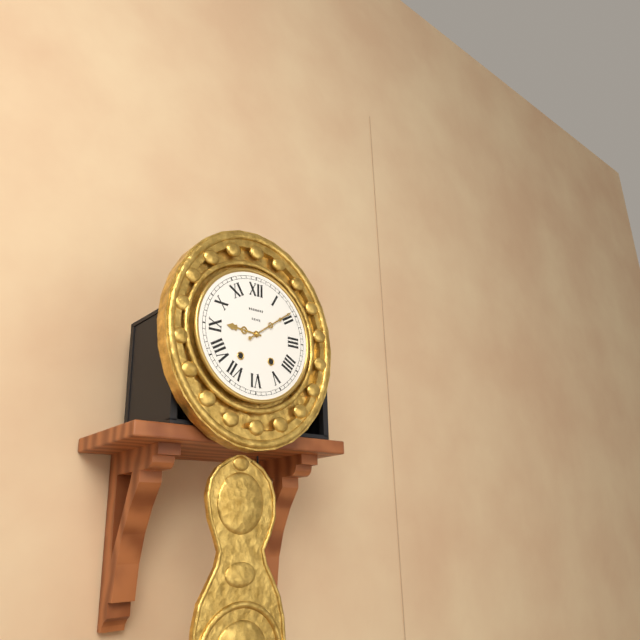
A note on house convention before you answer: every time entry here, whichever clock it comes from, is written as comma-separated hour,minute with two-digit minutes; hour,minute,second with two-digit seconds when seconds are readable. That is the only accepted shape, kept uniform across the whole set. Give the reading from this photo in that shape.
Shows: 9,09
